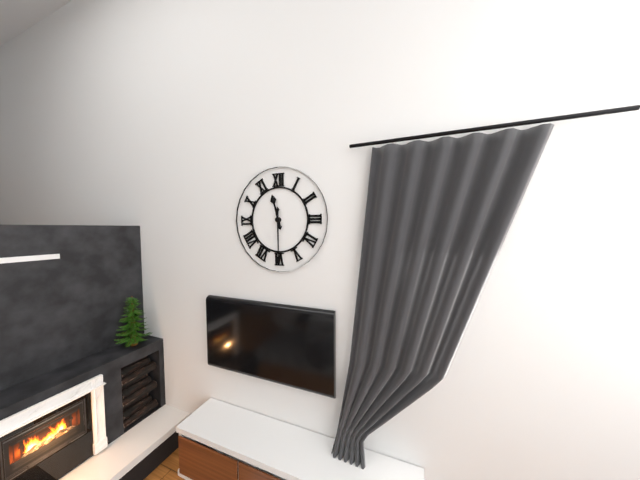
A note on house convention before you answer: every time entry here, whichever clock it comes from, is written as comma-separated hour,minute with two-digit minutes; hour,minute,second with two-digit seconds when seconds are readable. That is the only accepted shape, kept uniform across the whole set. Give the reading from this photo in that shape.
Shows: 11,30
